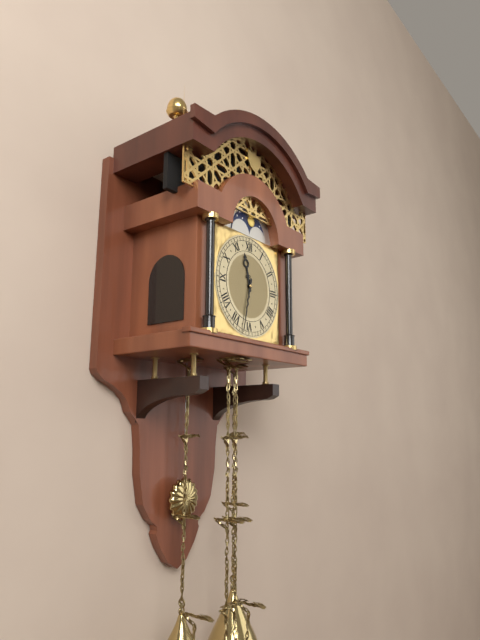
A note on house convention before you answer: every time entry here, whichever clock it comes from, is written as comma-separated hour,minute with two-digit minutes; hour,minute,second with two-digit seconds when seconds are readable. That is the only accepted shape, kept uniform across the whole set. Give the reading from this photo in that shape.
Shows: 11,32
